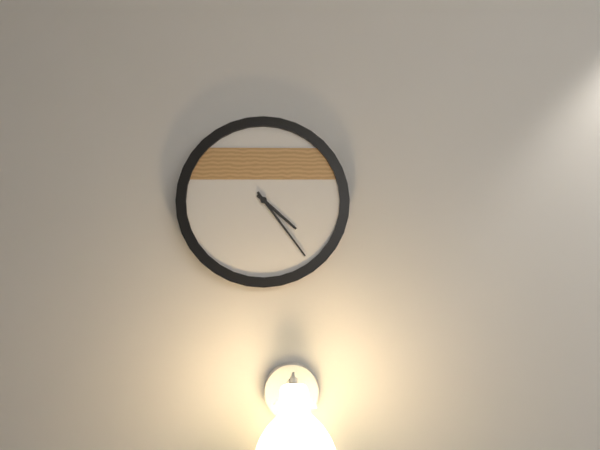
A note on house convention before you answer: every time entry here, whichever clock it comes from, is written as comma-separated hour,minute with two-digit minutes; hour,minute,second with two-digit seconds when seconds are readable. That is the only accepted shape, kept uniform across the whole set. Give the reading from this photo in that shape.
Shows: 4,24
